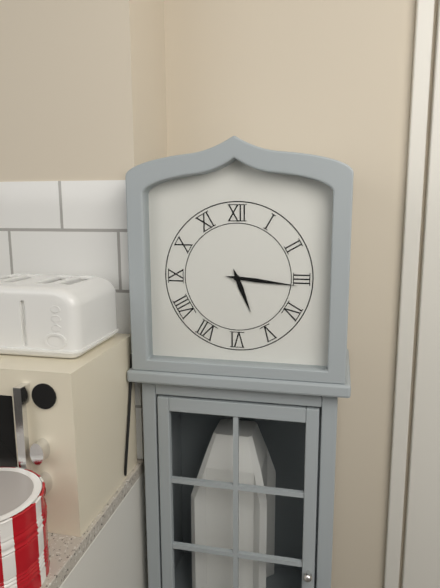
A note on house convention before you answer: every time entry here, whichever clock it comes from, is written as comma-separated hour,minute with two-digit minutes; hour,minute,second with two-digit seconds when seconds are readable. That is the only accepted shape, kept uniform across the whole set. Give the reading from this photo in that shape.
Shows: 5,16
